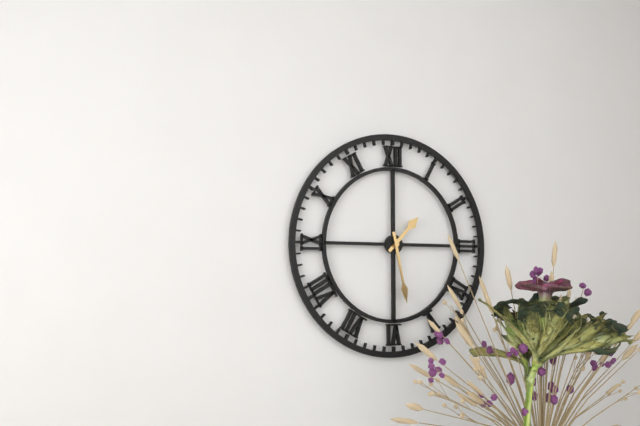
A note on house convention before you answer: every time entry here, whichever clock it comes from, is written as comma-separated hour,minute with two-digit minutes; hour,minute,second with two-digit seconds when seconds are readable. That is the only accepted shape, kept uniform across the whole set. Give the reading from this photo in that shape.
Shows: 1,28
